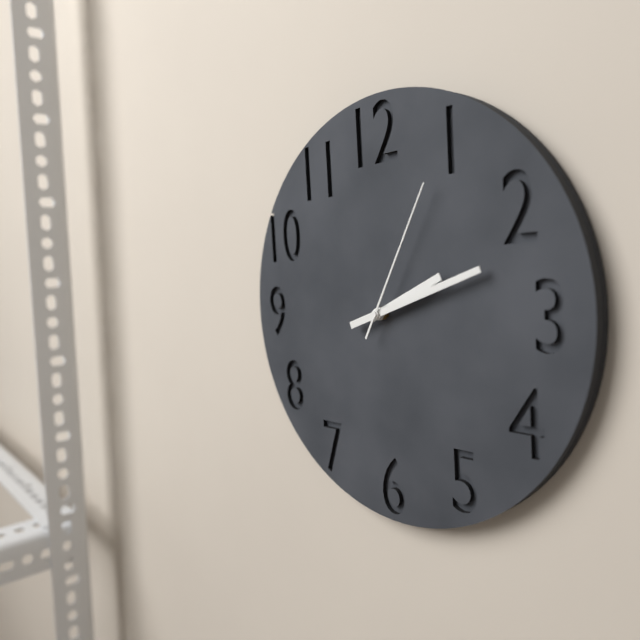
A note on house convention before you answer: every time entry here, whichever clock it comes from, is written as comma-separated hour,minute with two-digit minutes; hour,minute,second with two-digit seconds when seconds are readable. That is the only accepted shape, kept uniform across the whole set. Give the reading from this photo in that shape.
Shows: 2,12,05
